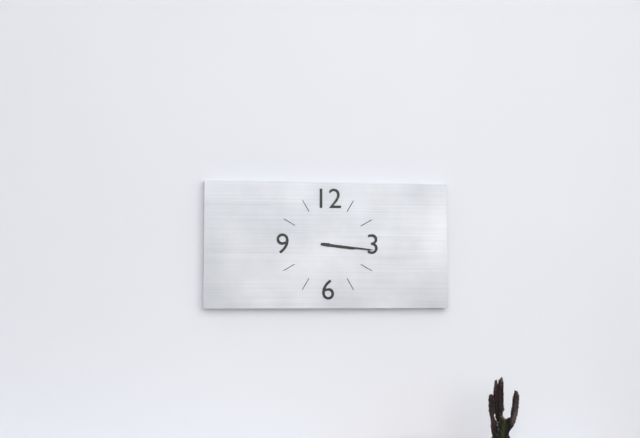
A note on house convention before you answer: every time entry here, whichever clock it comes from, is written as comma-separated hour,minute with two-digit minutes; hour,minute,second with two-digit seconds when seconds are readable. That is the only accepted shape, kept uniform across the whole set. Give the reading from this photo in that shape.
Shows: 3,16
